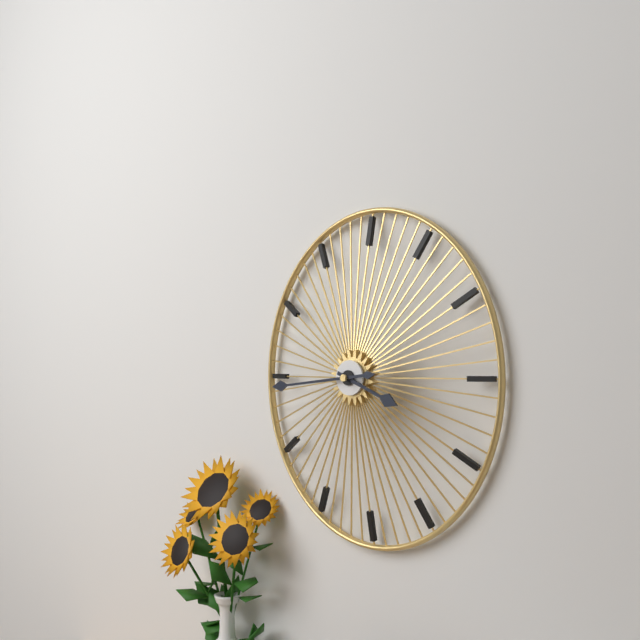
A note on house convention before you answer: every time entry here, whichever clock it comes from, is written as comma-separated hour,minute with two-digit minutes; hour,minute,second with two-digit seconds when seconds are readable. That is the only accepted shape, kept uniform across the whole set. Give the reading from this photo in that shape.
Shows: 3,44
